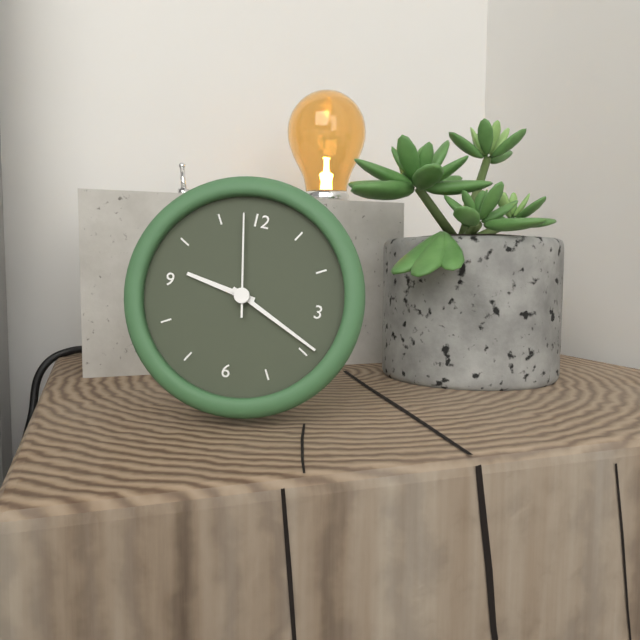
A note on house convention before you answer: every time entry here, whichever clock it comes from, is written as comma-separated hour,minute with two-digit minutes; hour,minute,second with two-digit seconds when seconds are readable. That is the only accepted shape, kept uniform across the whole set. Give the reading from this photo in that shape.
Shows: 9,19,58
